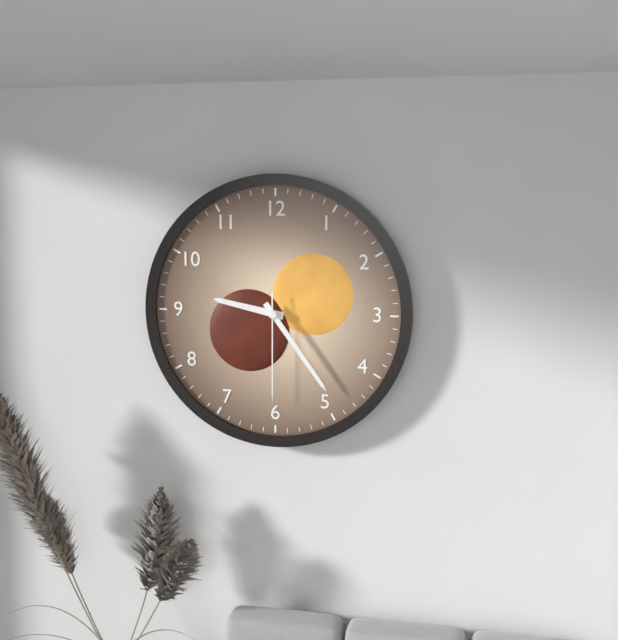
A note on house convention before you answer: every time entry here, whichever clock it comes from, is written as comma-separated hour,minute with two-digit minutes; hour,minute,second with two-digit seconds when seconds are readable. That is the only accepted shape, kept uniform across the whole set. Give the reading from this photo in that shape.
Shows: 9,24,30
